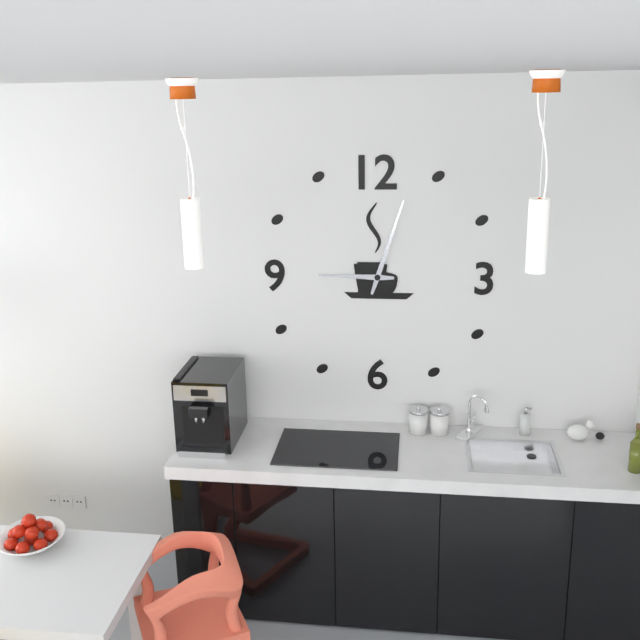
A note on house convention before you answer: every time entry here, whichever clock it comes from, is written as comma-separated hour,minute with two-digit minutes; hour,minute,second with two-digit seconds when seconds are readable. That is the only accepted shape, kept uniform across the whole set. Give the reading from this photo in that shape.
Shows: 9,03
